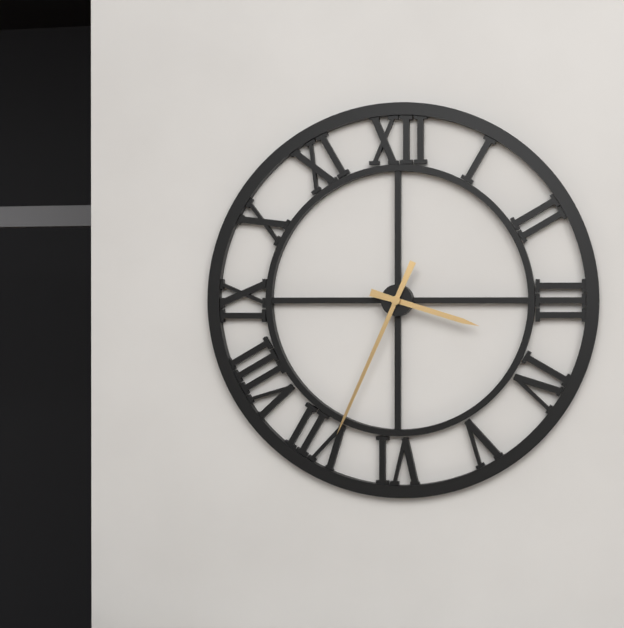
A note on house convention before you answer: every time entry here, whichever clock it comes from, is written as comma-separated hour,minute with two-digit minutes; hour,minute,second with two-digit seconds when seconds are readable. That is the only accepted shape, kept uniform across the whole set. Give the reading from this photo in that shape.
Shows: 3,34
